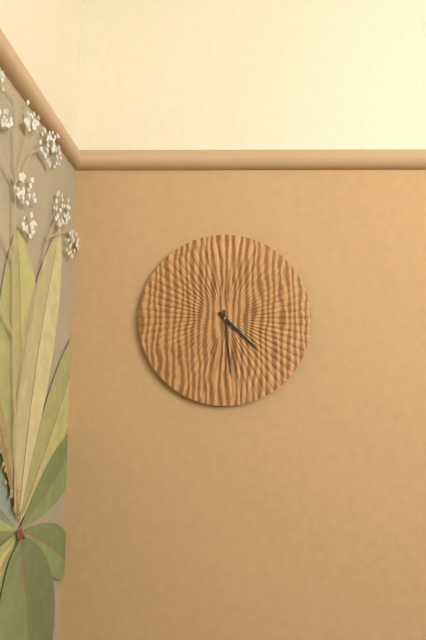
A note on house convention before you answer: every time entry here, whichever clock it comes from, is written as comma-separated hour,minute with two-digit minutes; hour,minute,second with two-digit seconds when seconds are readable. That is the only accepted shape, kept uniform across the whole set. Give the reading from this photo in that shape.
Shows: 4,29
